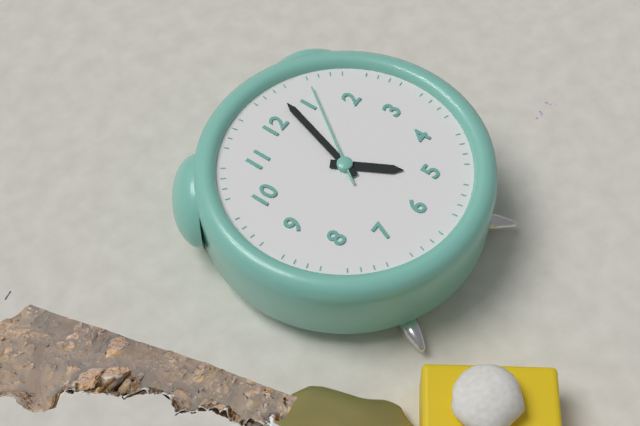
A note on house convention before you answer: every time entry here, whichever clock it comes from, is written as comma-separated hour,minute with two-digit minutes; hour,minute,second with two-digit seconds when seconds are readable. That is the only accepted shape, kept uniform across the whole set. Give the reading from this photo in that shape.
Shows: 5,03,06
